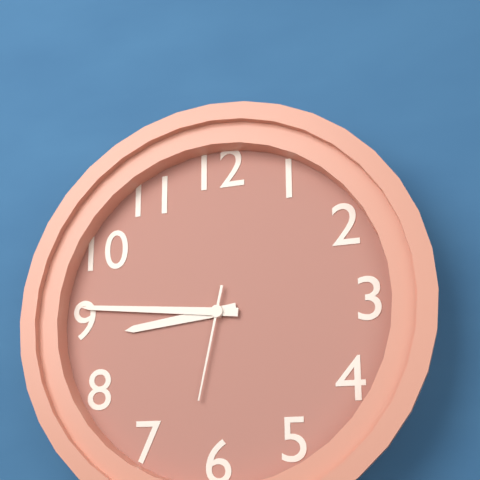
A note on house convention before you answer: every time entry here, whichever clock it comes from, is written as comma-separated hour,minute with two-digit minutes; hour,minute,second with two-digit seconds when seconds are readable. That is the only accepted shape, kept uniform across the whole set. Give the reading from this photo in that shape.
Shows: 8,46,32
